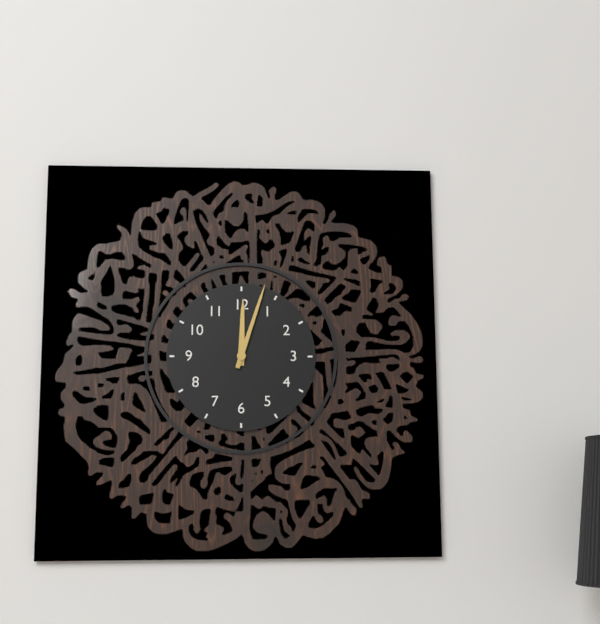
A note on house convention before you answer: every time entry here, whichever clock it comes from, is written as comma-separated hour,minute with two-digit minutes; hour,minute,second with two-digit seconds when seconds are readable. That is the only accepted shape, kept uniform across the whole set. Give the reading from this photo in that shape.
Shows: 12,03
